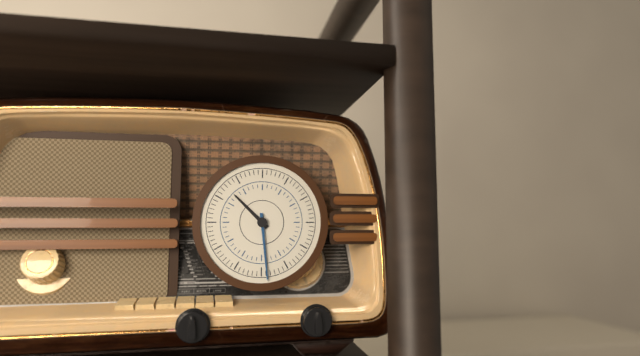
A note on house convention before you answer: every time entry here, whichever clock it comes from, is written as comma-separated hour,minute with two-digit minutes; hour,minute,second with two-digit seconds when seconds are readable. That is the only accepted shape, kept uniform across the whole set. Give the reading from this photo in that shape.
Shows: 10,29
